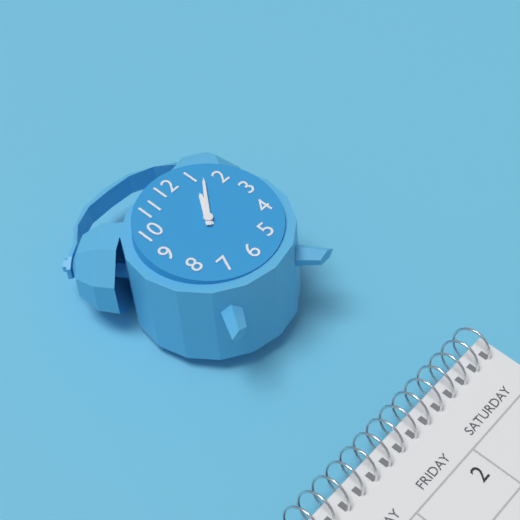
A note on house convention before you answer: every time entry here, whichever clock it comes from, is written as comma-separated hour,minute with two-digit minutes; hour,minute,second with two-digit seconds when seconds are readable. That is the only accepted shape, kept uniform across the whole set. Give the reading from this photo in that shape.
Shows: 1,07
